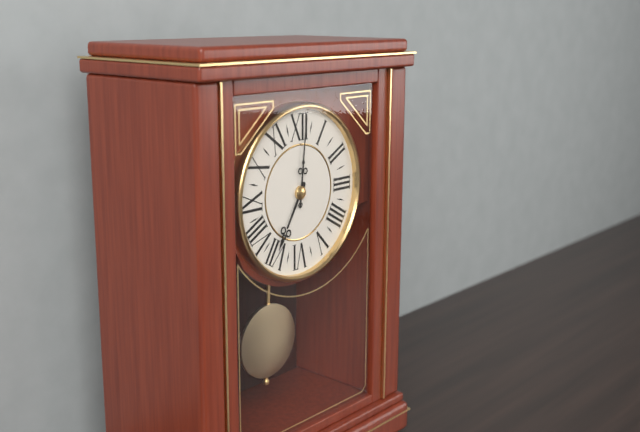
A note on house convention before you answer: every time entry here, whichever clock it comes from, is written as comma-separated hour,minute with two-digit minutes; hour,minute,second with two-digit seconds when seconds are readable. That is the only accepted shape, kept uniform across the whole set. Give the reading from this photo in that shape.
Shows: 7,01
